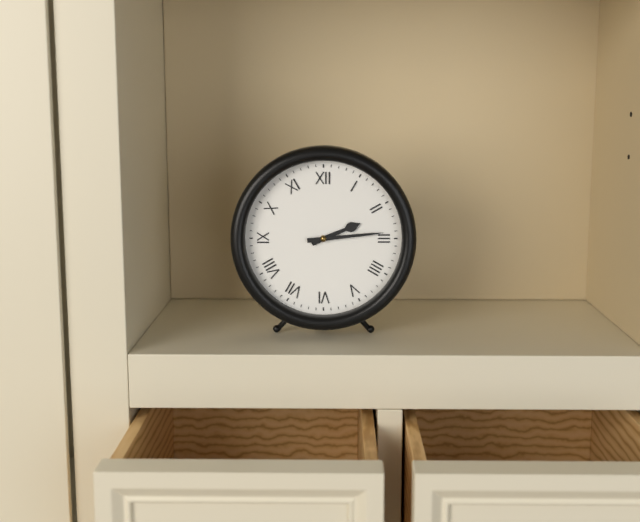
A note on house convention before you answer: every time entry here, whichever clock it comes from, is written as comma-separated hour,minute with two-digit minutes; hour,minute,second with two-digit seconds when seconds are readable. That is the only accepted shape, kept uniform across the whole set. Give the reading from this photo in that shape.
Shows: 2,14
